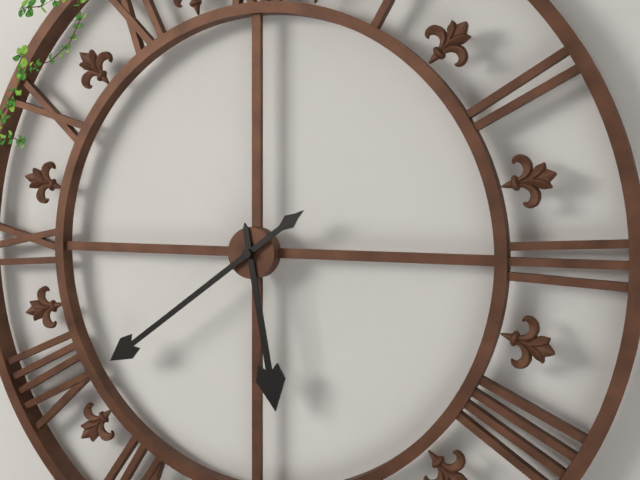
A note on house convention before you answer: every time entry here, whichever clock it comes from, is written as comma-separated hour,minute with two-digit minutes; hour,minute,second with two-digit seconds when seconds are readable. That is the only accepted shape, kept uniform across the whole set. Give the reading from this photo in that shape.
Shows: 5,39
